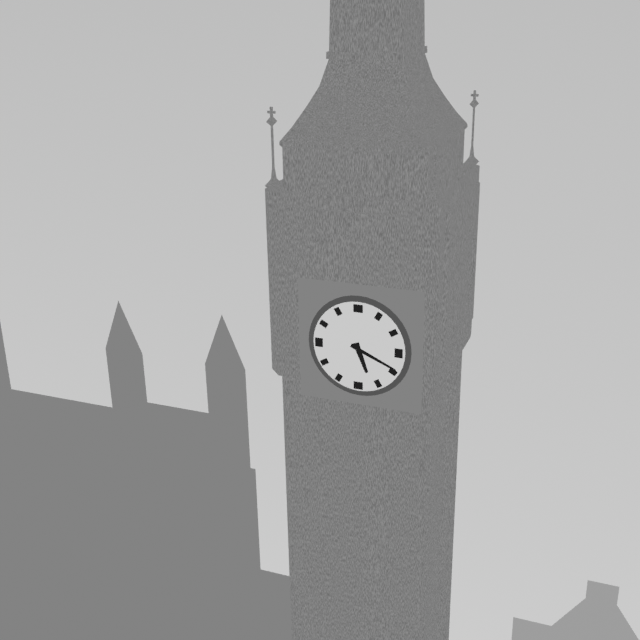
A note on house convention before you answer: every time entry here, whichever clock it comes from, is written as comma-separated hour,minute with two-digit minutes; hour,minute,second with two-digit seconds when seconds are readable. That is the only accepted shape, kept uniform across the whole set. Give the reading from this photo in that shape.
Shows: 5,19
